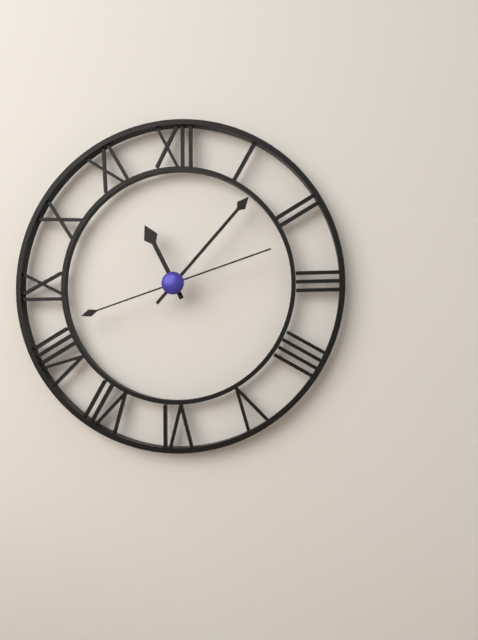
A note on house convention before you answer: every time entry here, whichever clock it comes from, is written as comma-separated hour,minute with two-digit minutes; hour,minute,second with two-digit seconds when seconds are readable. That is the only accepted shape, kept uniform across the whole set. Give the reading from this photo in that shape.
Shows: 11,07,12
